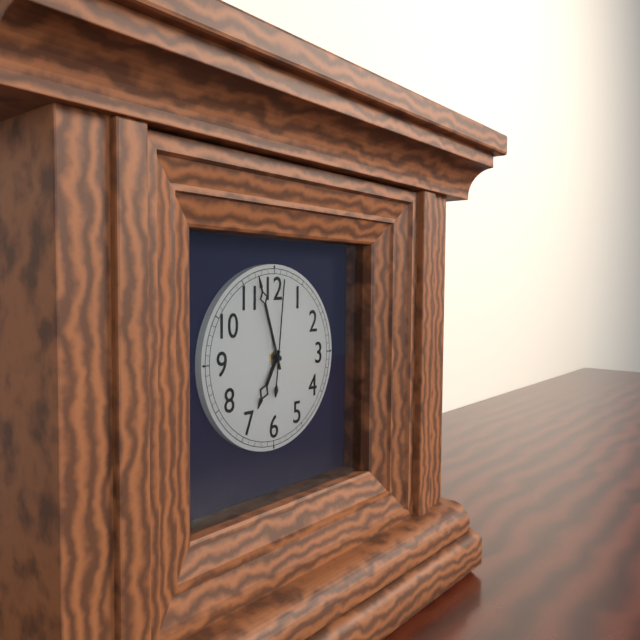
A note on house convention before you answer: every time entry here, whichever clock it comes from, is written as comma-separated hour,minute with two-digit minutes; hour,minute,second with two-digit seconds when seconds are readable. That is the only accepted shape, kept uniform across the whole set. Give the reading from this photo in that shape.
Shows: 6,57,01
